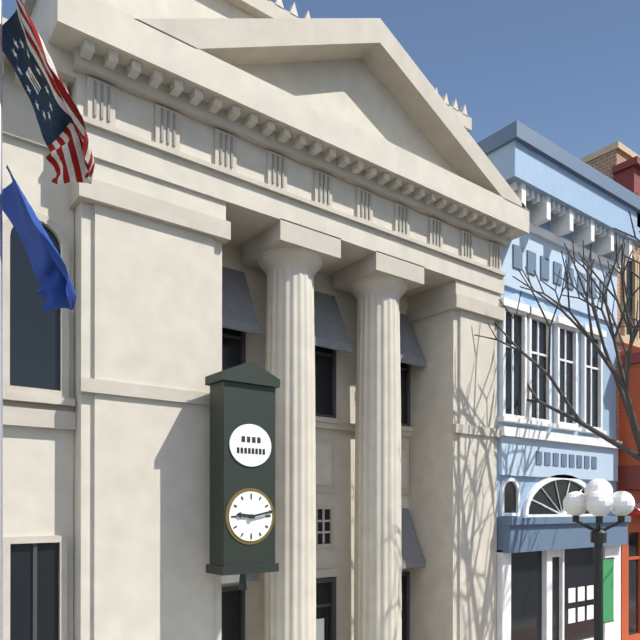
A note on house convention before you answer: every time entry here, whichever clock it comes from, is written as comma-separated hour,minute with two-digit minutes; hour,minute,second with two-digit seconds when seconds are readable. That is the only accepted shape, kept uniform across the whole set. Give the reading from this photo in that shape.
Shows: 9,13
